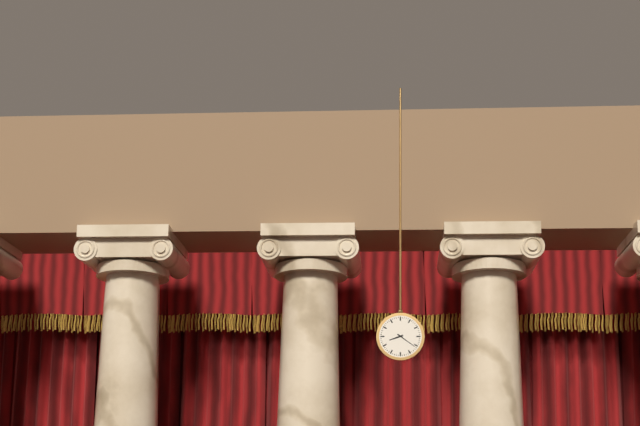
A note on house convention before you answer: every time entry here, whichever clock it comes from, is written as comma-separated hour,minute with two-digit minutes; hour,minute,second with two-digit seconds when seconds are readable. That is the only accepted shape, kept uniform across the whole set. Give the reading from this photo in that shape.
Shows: 8,21
